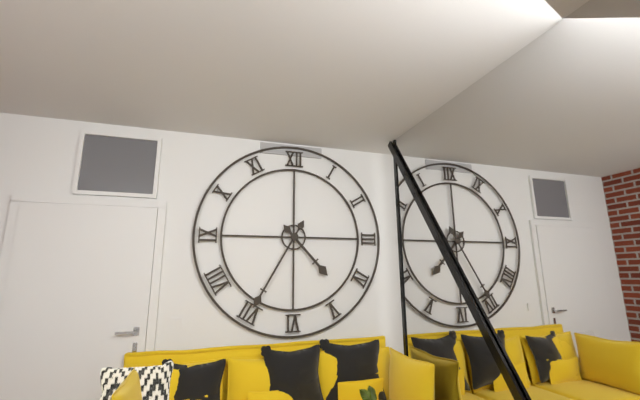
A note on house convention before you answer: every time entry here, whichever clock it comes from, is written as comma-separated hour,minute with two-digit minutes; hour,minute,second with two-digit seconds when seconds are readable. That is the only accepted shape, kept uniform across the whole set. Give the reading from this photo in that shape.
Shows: 4,35
